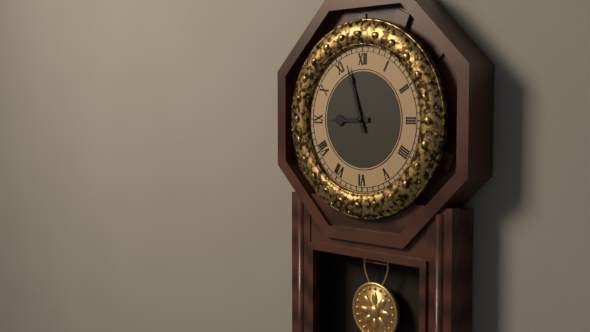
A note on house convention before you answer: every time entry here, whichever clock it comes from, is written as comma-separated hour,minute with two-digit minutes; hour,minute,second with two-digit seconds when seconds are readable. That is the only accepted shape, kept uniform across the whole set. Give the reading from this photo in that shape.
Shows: 8,57
